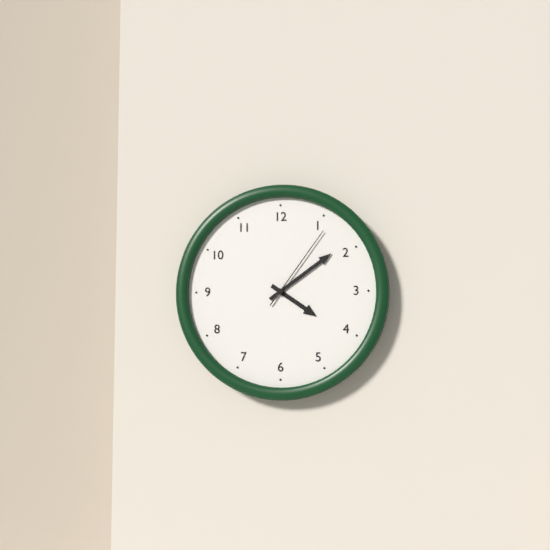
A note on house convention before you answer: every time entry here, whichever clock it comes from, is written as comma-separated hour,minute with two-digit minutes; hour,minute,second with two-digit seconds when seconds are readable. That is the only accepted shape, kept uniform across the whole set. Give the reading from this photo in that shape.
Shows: 4,09,06
